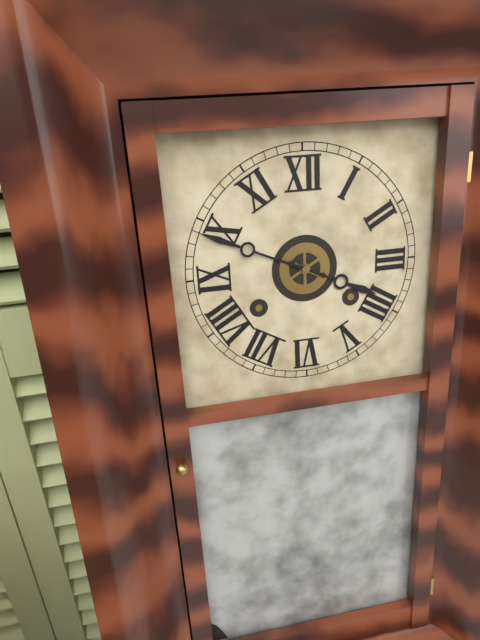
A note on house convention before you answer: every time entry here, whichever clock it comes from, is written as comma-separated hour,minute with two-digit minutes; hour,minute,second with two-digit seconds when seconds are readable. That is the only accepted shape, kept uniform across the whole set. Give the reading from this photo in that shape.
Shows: 3,49
